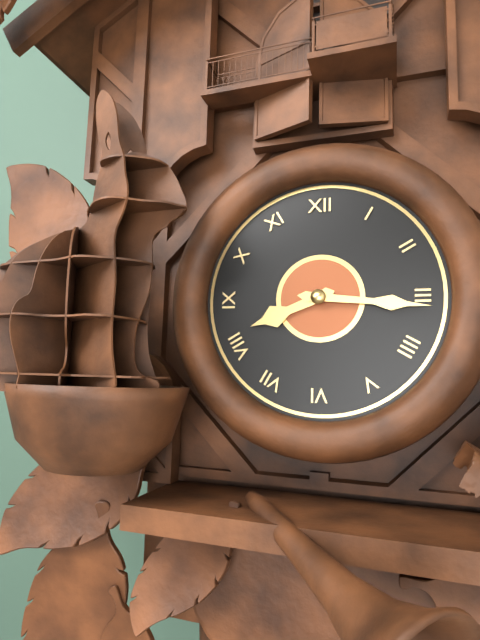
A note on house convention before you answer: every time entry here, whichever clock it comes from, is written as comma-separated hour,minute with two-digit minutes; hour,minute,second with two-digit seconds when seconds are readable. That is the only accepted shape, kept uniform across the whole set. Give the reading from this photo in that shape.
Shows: 8,16
